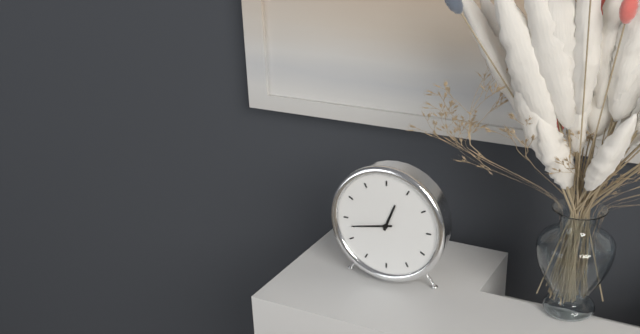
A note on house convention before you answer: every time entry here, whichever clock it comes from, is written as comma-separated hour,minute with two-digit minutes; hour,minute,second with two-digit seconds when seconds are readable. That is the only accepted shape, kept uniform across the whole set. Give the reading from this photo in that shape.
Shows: 12,43
